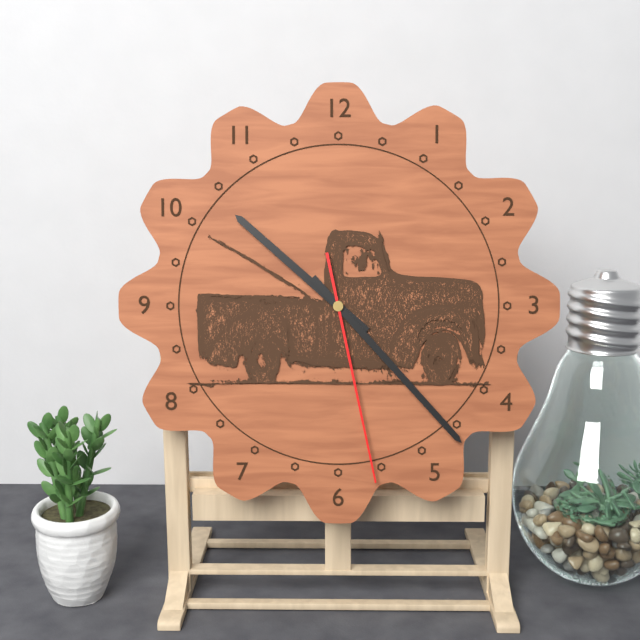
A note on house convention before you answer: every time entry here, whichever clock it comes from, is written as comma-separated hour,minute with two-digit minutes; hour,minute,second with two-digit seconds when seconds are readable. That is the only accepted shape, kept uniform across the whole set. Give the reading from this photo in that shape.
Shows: 10,23,28
